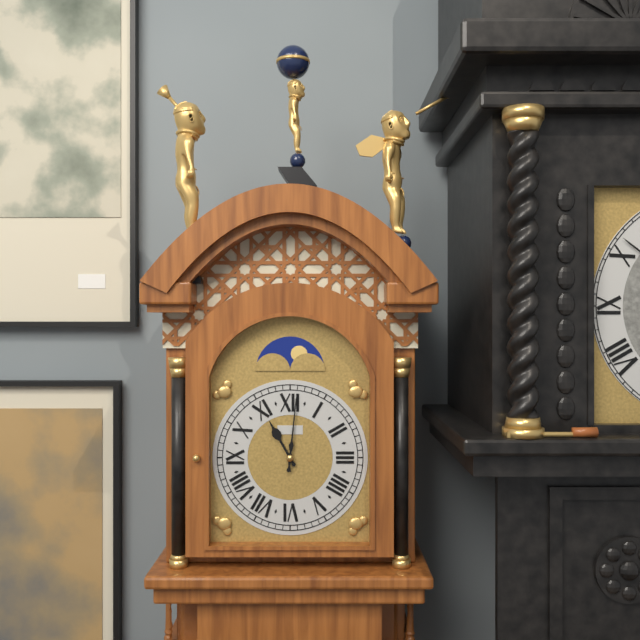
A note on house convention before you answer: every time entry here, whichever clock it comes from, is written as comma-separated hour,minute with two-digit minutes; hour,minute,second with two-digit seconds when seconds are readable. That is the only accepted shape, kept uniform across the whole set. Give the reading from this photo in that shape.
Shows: 11,01
